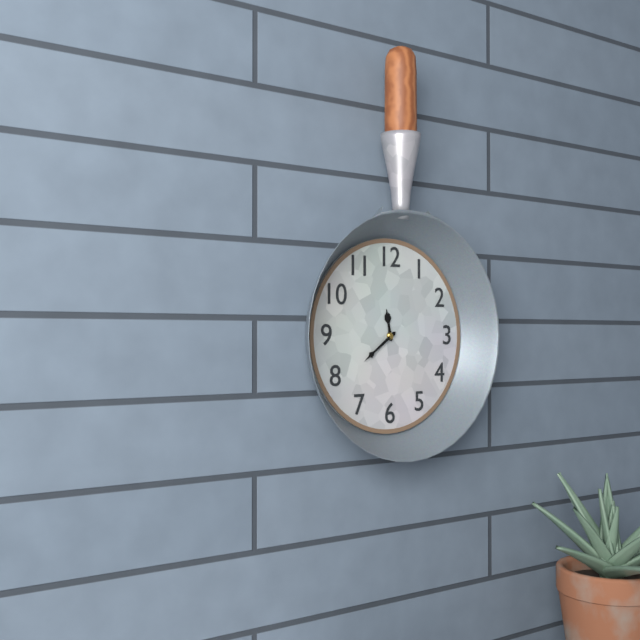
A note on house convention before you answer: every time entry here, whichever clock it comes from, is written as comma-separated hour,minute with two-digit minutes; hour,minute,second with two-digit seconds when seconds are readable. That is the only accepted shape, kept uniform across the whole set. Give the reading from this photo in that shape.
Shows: 11,39
